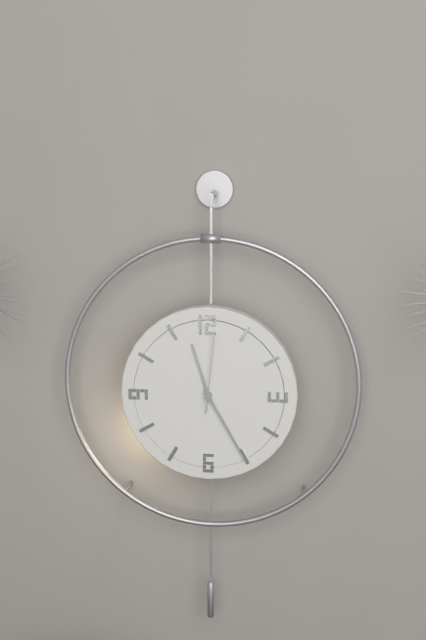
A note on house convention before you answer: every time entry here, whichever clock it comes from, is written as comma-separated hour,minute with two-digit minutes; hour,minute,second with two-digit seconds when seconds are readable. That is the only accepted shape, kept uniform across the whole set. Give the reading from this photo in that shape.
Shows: 11,25,01
